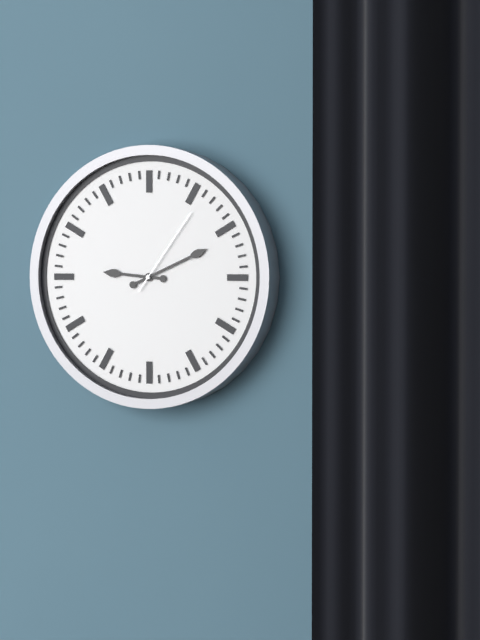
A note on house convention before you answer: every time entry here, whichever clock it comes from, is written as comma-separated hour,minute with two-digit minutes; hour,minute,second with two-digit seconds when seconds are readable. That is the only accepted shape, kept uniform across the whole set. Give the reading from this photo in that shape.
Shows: 9,11,06
